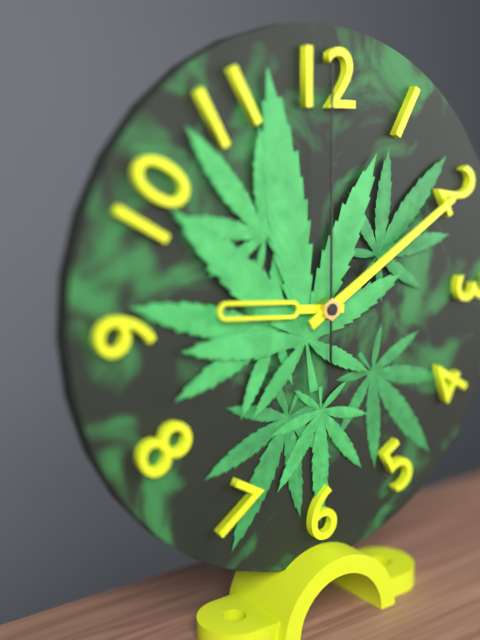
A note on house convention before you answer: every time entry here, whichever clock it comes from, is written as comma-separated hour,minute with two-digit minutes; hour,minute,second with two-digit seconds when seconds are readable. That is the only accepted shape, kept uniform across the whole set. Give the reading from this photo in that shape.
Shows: 9,10,00
